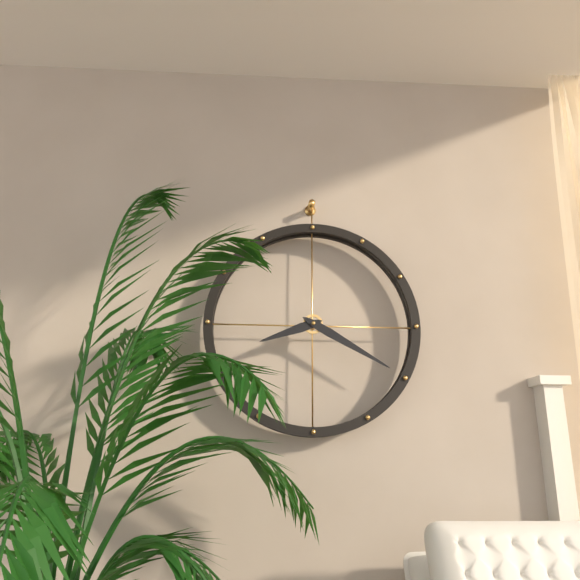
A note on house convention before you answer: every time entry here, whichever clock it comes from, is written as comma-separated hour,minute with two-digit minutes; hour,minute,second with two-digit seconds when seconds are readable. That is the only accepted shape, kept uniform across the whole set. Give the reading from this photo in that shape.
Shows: 8,20
